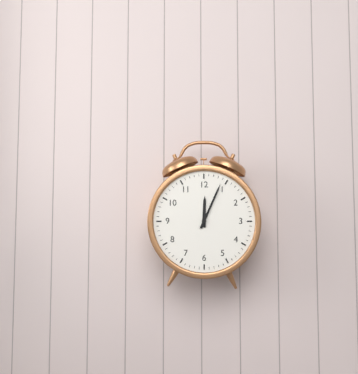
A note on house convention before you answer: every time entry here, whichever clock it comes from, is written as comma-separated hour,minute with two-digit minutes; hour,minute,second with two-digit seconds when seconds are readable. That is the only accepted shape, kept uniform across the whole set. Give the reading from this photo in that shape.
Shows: 12,04
